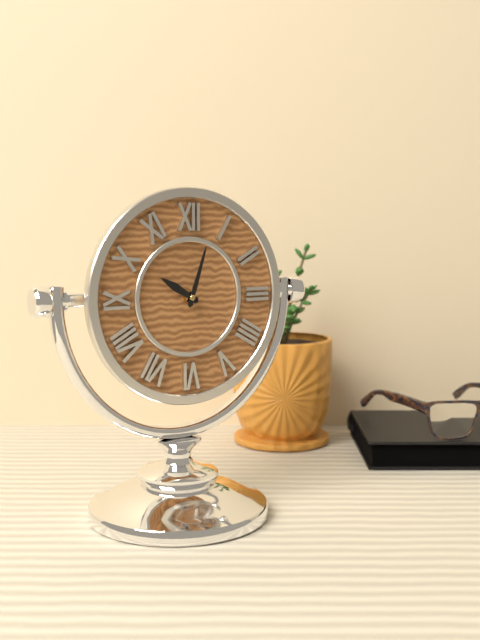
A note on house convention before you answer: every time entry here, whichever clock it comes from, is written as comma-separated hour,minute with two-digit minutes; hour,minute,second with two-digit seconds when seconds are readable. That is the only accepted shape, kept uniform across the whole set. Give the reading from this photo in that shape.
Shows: 10,03
